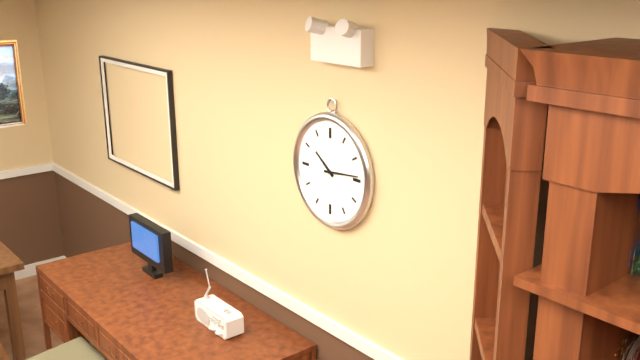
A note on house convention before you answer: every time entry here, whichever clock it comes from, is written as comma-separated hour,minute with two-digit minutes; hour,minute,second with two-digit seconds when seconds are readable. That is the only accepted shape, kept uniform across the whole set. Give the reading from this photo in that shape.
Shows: 10,14
